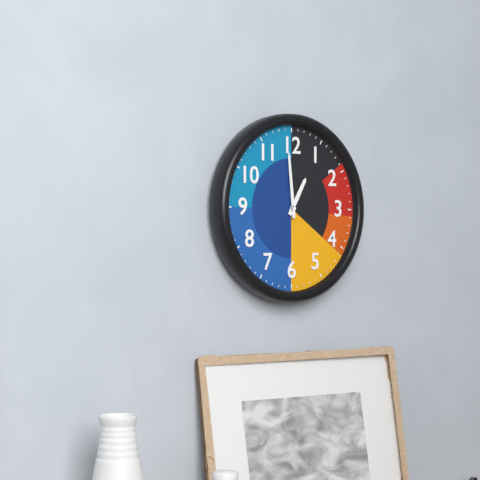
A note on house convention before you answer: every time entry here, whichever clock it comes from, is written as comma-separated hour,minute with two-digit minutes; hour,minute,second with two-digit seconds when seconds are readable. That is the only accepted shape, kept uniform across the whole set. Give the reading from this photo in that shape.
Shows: 12,59
